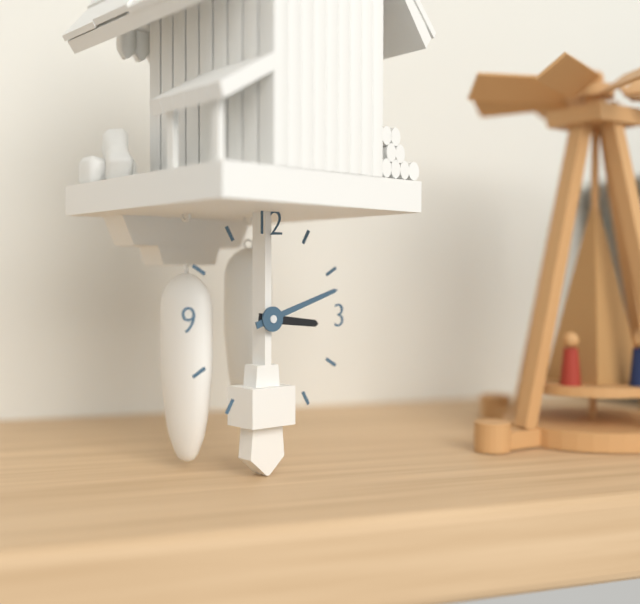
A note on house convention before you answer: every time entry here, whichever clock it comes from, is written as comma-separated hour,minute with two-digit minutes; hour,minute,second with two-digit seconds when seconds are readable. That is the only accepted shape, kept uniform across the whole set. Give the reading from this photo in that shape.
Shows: 3,12
